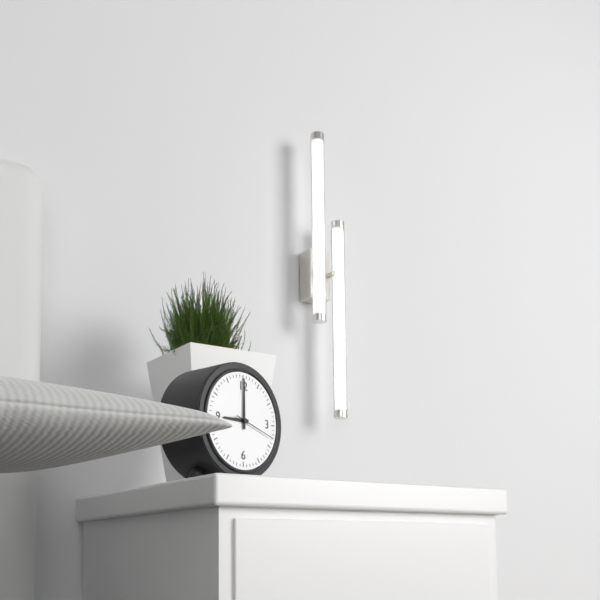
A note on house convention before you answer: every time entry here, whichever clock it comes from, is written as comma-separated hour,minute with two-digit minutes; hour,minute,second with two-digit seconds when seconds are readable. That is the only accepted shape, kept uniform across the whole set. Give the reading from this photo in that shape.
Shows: 9,00
